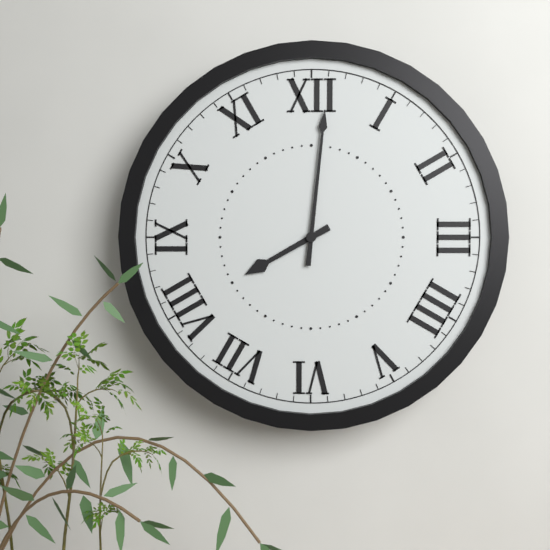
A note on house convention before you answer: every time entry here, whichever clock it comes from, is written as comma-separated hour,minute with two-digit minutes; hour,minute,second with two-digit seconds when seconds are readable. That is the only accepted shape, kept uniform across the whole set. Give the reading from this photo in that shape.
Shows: 8,01
